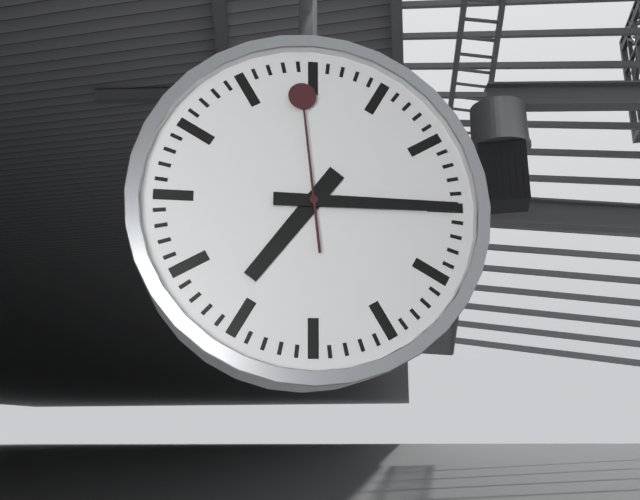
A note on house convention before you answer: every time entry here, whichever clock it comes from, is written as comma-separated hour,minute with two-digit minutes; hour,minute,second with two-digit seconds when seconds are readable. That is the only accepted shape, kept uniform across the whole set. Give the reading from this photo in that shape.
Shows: 7,15,59
